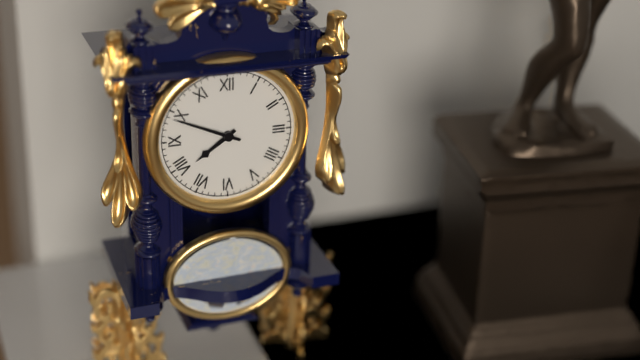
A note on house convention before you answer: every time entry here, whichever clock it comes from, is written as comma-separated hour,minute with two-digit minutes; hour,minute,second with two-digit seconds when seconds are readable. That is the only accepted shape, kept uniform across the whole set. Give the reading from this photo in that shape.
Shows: 7,49
